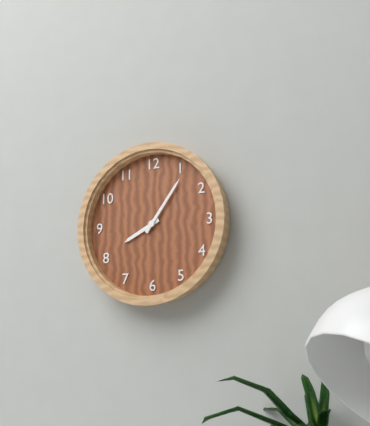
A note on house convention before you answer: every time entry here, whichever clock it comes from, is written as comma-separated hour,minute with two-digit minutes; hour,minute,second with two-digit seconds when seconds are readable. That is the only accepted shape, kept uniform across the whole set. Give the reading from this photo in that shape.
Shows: 8,06
